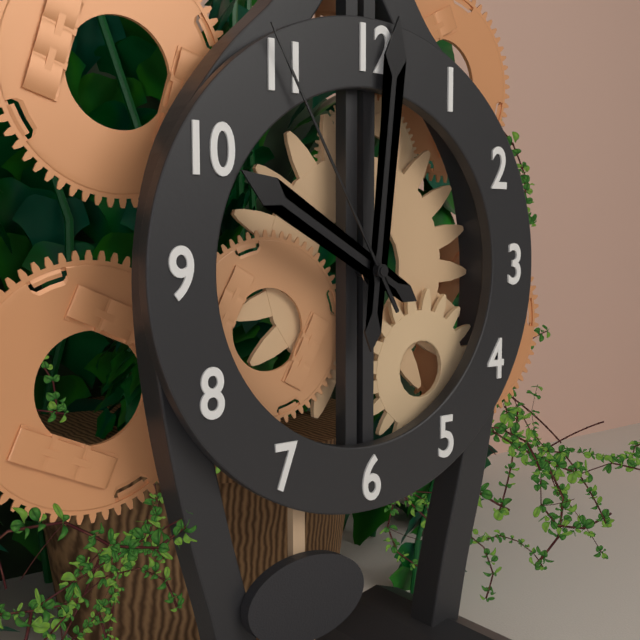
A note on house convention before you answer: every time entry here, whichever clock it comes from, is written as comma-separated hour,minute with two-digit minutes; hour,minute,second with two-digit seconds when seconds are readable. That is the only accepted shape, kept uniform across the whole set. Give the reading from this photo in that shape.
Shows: 10,01,55
